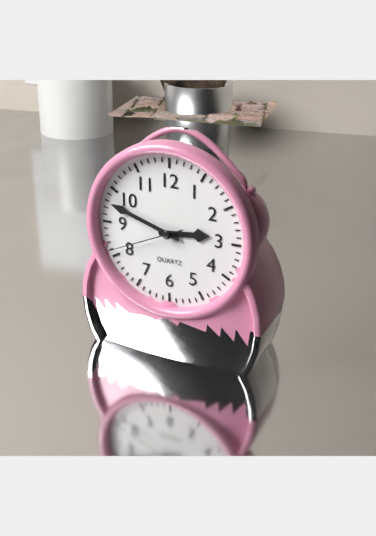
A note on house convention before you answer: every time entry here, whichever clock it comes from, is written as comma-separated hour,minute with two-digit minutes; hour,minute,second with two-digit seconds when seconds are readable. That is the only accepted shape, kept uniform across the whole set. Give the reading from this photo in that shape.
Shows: 2,48,41
